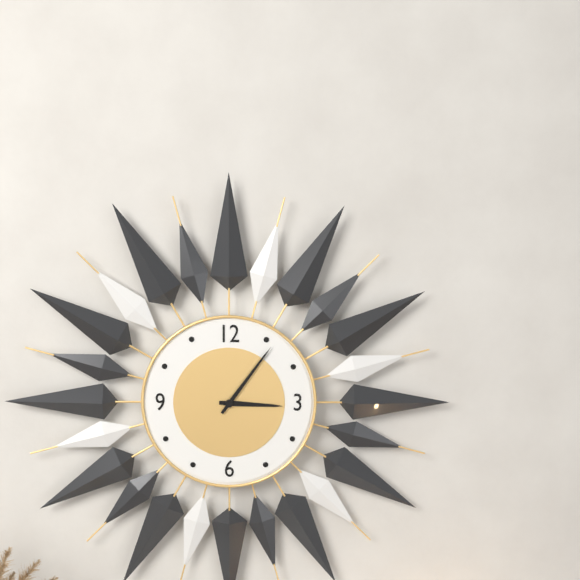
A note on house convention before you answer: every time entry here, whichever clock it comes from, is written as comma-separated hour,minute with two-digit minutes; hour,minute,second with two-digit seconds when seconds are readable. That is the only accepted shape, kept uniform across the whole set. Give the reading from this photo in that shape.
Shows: 3,06
